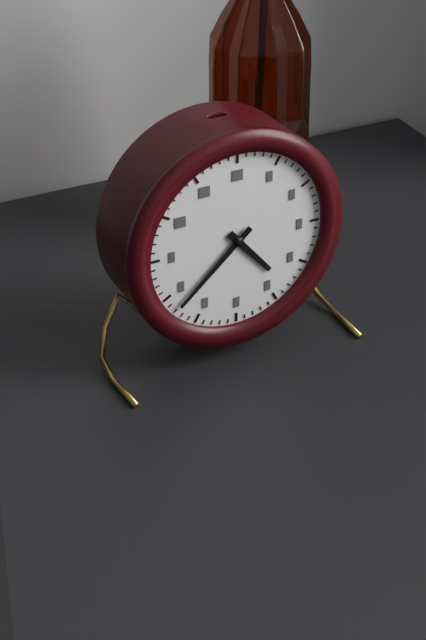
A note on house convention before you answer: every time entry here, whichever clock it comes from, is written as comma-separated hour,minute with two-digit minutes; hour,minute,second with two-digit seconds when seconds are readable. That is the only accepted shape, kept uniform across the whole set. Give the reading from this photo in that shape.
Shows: 4,38
